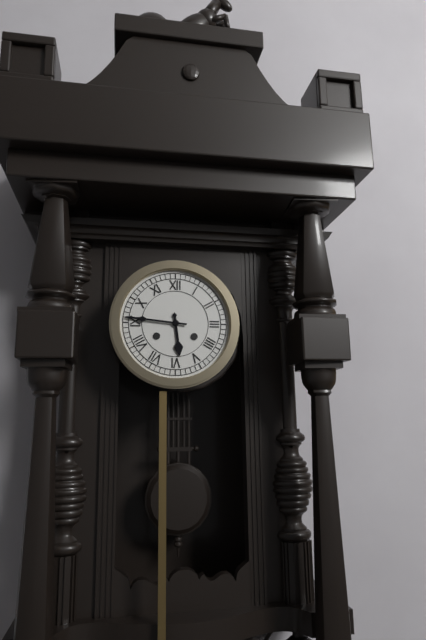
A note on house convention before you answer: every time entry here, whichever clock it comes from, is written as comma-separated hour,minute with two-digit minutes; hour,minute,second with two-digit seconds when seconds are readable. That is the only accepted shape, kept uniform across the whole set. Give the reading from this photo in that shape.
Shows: 5,46
